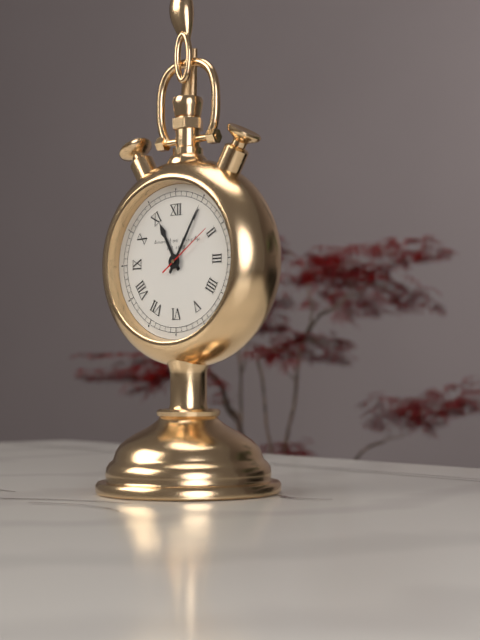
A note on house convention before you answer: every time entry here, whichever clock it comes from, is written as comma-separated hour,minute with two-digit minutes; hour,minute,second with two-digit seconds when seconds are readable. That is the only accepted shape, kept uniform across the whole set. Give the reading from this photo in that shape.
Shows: 11,05
